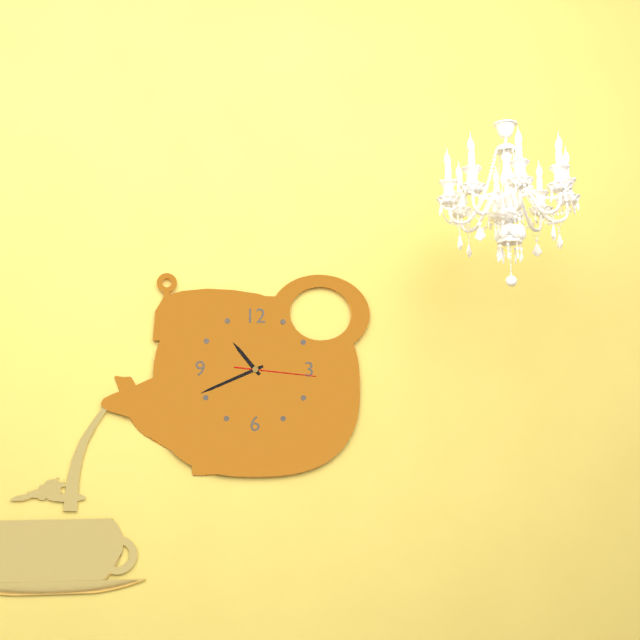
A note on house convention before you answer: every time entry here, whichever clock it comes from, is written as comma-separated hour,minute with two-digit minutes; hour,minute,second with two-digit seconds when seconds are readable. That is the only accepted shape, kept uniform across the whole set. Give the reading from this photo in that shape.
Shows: 10,41,16
